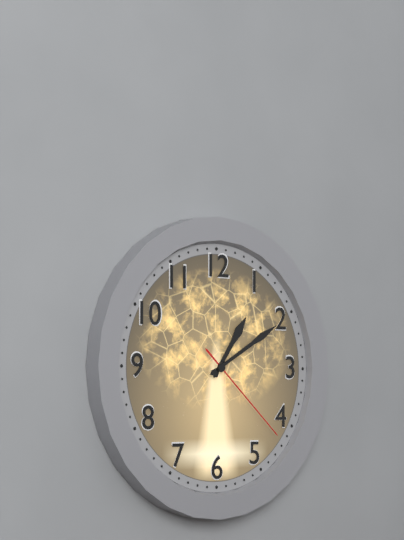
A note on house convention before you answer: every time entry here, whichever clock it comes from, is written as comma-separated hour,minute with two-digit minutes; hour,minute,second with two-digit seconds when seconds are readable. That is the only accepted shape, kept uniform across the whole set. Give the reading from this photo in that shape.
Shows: 1,10,22
